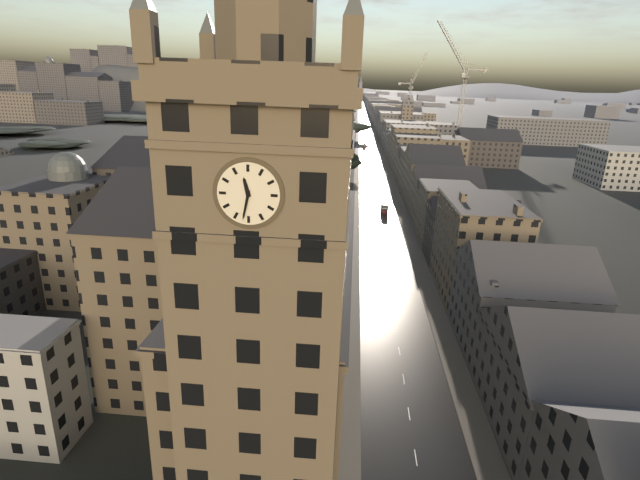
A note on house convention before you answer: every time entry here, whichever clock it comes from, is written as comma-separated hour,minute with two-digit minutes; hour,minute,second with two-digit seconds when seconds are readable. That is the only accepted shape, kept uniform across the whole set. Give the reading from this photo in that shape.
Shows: 11,32
